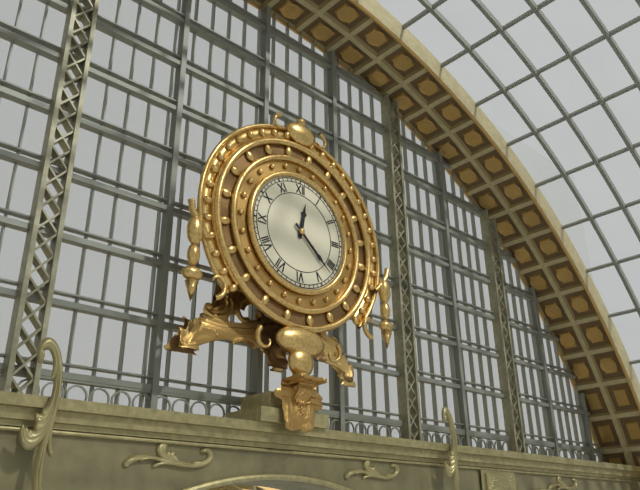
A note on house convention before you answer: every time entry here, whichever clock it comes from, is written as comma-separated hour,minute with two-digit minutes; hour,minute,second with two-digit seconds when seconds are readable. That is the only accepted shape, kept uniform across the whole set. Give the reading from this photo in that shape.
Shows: 12,22
